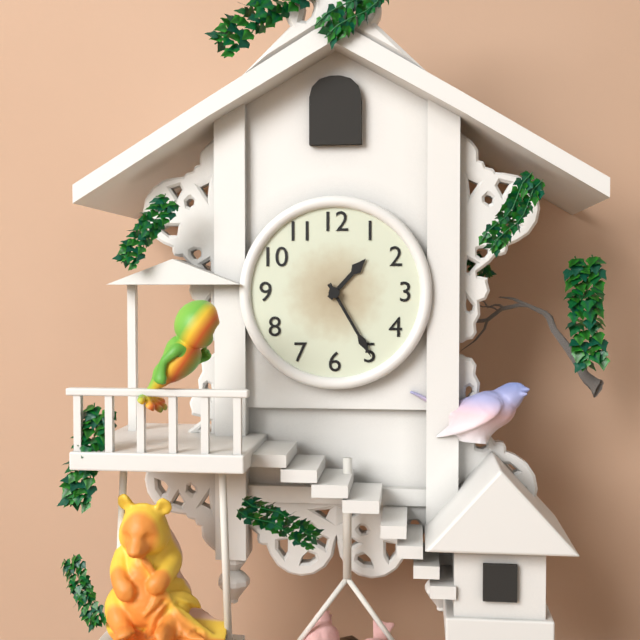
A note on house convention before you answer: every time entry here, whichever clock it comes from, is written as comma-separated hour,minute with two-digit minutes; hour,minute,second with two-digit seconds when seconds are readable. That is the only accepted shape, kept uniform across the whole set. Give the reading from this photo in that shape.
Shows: 1,25
